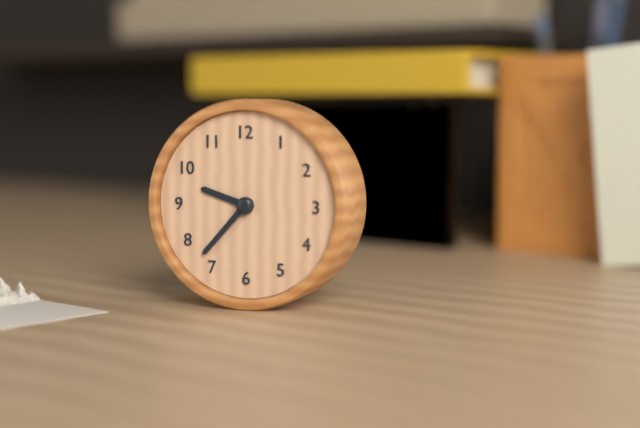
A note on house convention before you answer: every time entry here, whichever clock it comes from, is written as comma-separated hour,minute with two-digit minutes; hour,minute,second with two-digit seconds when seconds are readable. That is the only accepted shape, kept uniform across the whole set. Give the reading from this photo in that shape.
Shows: 9,37
